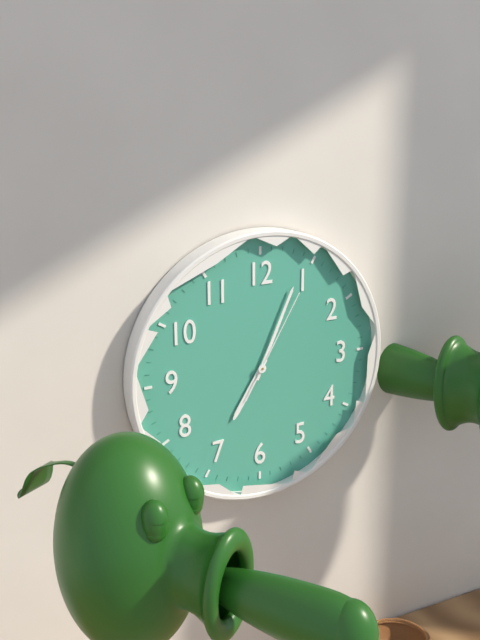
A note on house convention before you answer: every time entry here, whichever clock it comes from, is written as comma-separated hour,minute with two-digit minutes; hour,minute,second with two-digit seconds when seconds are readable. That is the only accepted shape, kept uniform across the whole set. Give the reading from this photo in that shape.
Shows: 7,04,05
